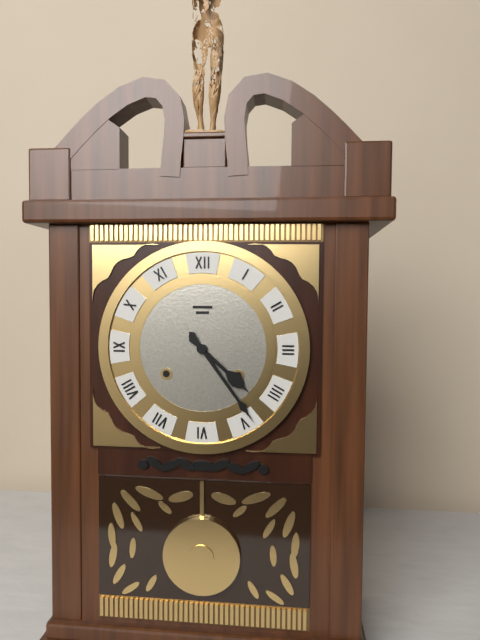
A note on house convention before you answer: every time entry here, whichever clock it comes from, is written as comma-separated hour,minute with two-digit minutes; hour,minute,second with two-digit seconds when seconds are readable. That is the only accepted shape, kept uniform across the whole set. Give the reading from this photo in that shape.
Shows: 4,24
